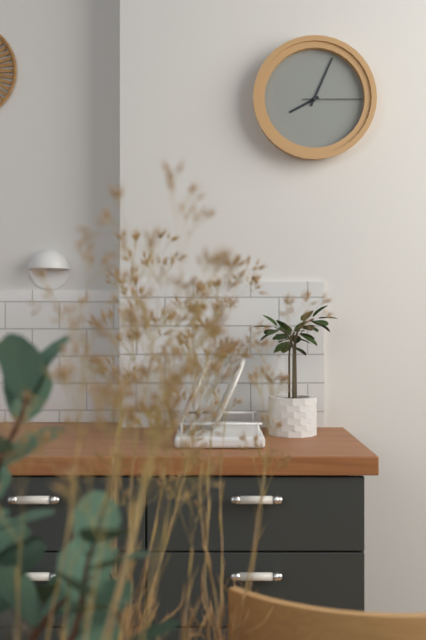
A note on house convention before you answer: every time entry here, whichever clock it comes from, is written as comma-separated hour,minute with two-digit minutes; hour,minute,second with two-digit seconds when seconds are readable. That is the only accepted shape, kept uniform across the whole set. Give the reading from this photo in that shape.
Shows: 8,04,15
